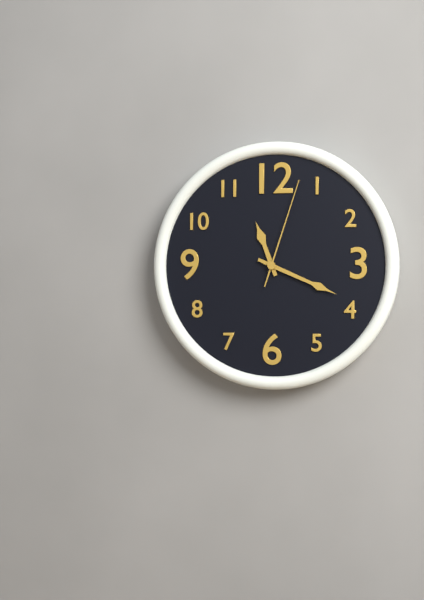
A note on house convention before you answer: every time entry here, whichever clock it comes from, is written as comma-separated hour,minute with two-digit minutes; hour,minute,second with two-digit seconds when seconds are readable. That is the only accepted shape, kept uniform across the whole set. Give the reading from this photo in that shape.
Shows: 11,19,03
